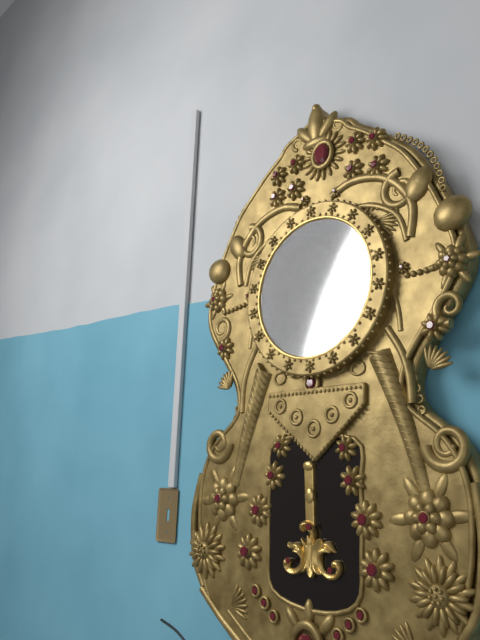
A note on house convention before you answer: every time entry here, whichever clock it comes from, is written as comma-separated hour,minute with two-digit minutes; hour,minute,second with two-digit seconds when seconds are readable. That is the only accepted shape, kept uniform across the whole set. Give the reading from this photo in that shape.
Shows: 9,50
